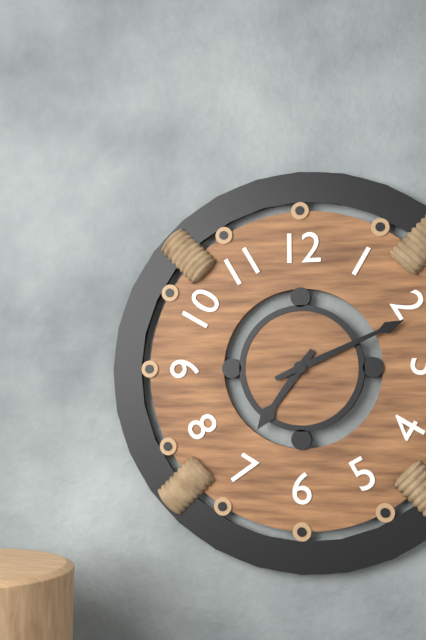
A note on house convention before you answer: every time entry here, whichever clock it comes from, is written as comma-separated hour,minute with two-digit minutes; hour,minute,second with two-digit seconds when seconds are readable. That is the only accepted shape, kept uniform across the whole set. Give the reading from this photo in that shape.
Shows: 7,11
